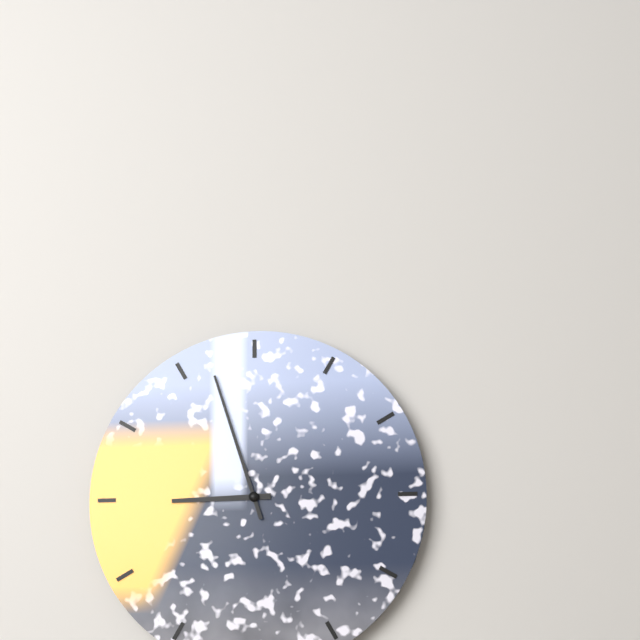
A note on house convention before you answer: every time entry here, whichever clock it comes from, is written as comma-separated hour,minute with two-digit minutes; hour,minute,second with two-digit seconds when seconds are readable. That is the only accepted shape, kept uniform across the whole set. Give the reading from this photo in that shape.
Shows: 8,57
